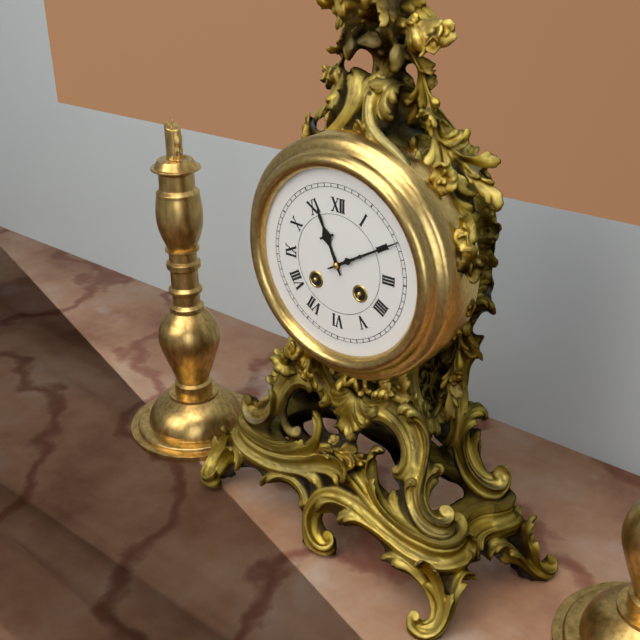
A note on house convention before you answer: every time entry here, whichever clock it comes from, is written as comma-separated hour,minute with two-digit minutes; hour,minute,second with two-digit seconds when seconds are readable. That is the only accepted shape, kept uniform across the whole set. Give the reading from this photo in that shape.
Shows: 11,10
